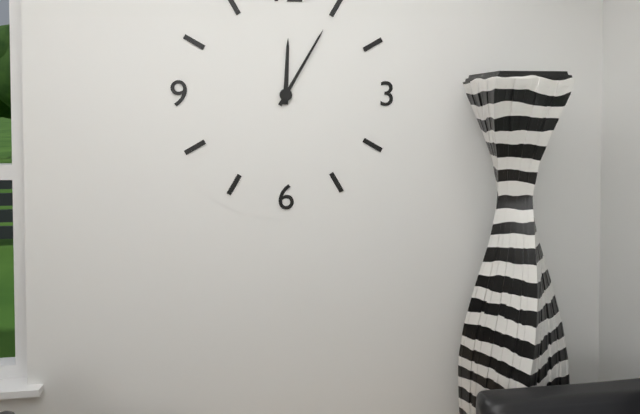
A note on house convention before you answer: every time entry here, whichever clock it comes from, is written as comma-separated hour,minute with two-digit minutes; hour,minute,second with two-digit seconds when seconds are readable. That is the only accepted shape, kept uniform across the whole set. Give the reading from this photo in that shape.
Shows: 12,05
